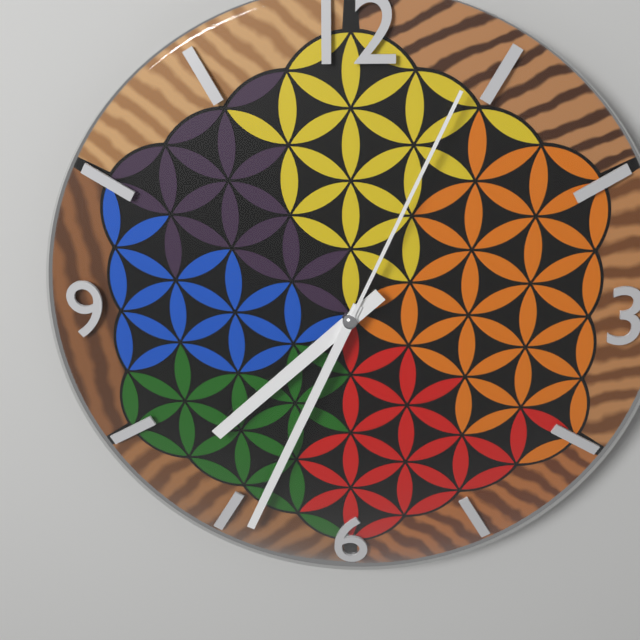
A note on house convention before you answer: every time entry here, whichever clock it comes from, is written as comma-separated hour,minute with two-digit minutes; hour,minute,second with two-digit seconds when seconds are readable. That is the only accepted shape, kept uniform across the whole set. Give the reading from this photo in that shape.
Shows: 7,34,04
